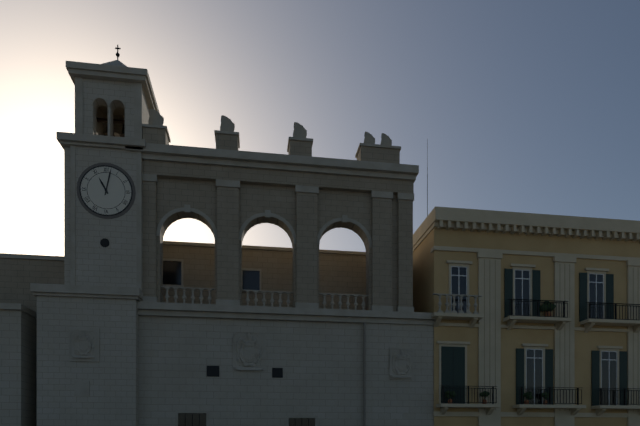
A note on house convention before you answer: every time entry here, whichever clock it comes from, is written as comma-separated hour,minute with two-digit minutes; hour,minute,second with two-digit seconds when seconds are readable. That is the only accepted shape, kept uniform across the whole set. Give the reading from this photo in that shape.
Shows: 11,02
